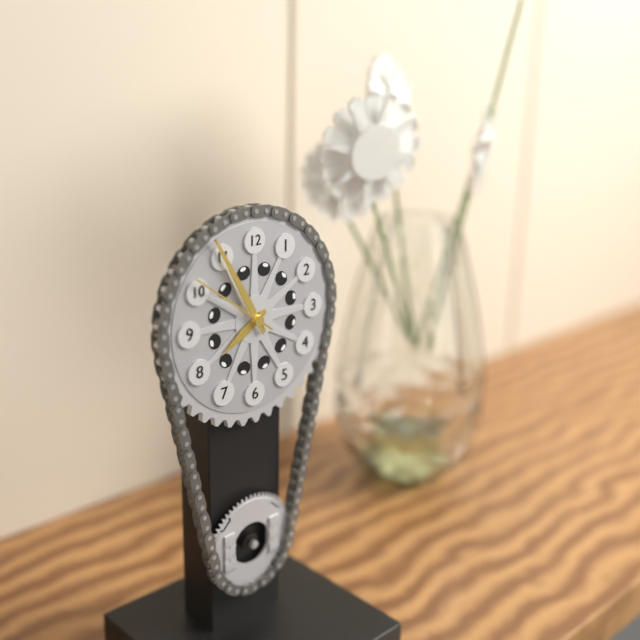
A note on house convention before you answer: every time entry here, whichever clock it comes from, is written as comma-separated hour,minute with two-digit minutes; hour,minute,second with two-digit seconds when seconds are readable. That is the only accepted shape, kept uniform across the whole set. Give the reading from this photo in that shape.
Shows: 7,55,51
